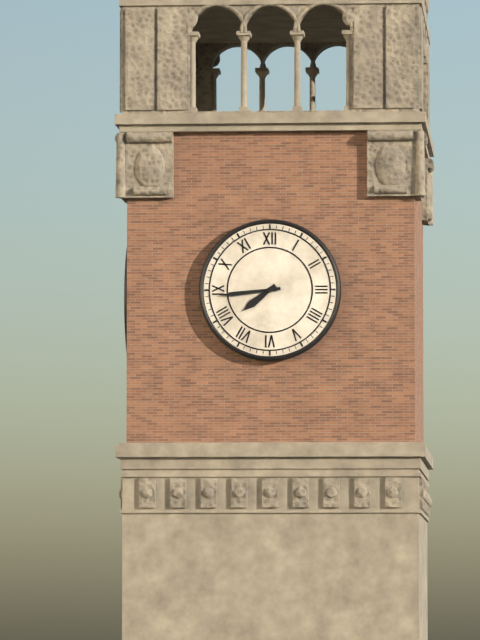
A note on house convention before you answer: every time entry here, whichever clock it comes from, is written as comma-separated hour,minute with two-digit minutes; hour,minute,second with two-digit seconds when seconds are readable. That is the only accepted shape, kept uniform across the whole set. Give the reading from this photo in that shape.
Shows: 7,44
